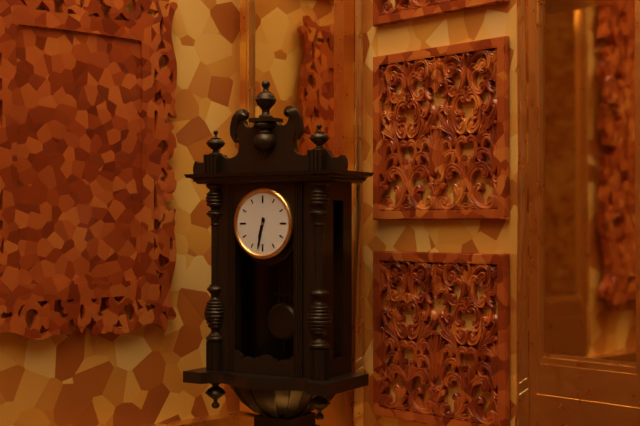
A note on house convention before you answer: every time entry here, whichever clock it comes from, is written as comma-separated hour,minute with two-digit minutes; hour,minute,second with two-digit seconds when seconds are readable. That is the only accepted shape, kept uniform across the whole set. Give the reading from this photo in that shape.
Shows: 6,32
